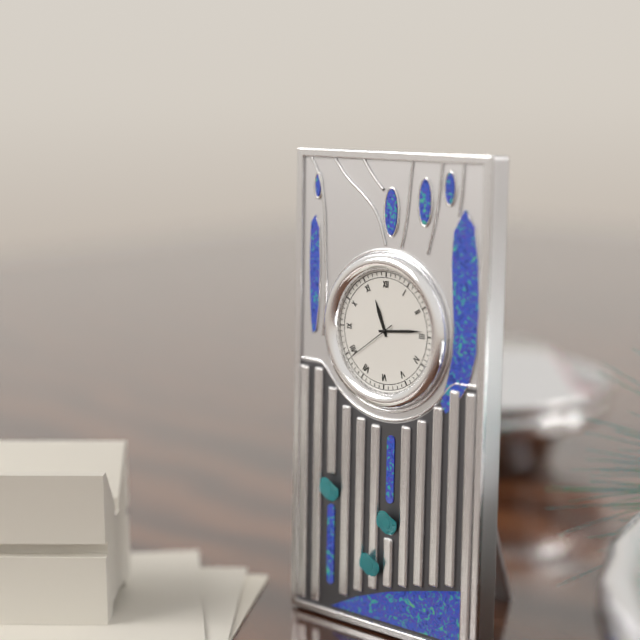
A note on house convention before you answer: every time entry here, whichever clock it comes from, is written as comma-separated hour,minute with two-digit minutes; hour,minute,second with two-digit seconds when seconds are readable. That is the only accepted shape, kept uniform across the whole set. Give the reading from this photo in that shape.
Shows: 11,14,39
